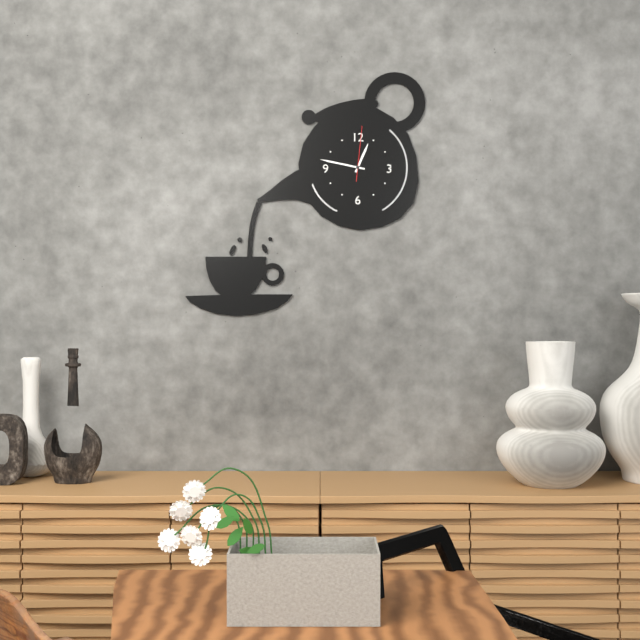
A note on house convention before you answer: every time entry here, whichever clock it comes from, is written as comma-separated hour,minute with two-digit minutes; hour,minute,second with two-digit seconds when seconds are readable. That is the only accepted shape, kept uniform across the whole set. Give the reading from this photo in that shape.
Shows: 12,47,01
